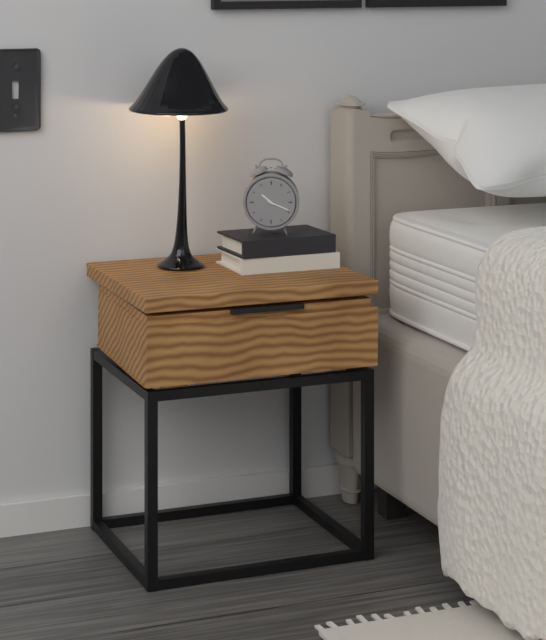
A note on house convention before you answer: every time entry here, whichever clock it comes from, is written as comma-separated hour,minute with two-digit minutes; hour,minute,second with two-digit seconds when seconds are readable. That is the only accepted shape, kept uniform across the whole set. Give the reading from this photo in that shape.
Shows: 10,19
